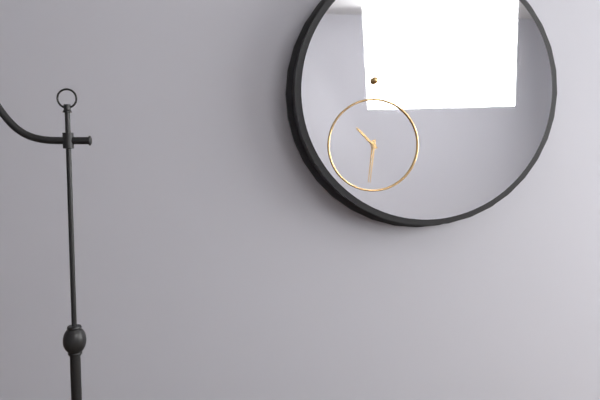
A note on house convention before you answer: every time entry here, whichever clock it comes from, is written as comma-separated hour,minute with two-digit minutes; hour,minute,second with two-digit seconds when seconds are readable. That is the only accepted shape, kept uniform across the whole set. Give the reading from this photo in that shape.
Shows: 10,31
